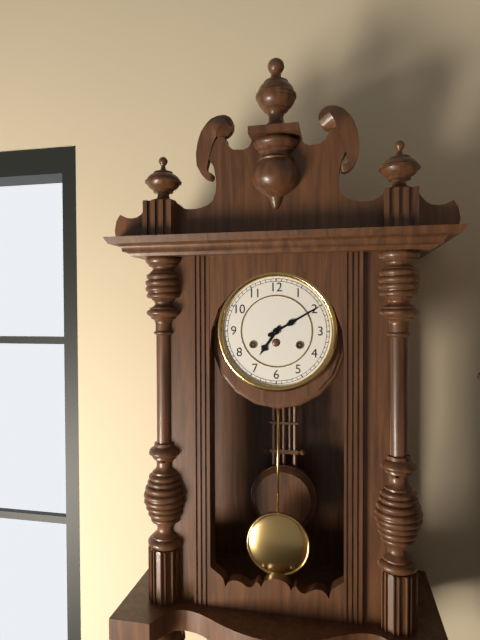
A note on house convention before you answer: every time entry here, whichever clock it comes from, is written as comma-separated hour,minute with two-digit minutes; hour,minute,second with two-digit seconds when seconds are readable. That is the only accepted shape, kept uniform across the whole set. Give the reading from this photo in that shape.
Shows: 7,10
